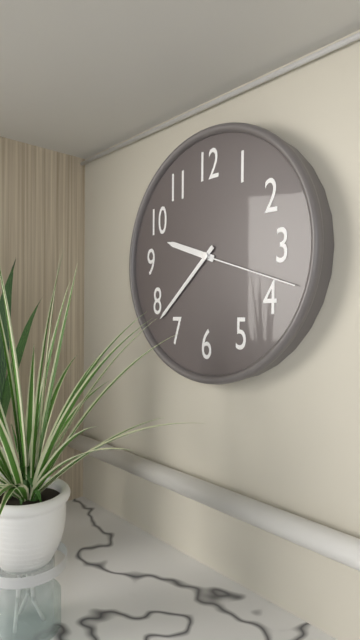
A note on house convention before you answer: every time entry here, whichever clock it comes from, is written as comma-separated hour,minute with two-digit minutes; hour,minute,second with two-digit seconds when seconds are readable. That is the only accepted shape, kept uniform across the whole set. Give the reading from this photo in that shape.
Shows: 9,38,18
